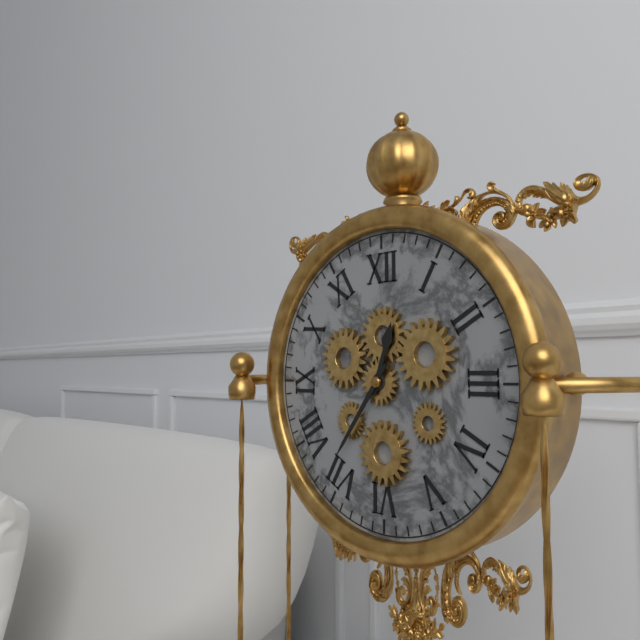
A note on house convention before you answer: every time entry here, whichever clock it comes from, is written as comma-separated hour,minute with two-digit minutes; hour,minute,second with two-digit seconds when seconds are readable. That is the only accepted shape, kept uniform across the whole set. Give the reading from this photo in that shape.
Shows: 12,36
